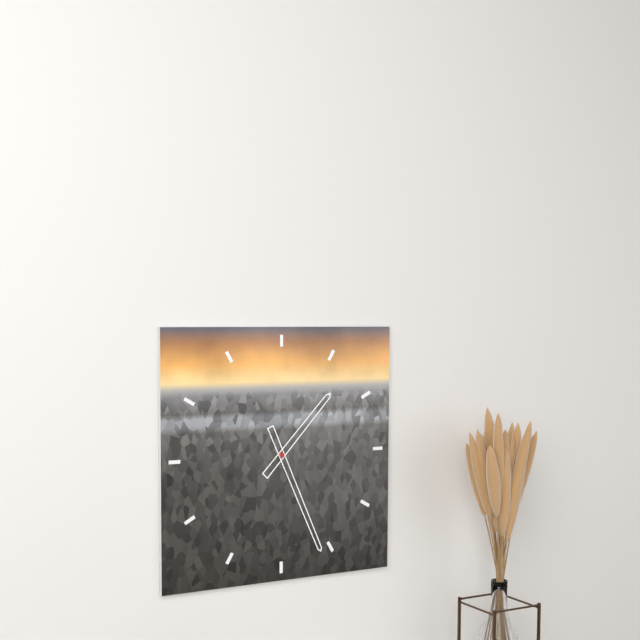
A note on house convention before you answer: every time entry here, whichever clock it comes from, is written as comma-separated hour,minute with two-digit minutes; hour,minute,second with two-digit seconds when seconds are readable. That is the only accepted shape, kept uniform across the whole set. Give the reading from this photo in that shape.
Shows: 1,26
